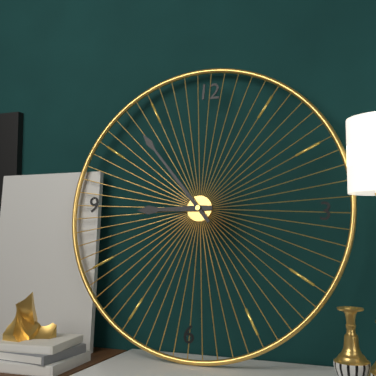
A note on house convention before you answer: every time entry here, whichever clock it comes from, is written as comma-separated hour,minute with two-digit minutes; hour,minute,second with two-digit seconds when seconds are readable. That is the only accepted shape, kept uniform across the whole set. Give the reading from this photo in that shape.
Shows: 8,53
